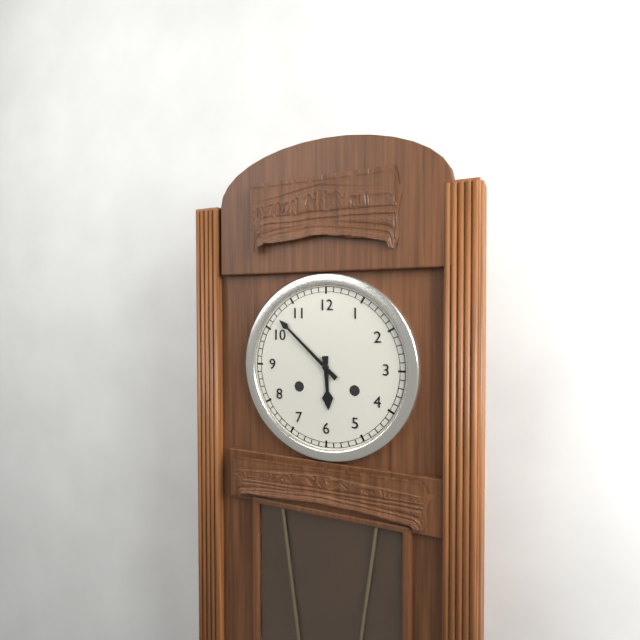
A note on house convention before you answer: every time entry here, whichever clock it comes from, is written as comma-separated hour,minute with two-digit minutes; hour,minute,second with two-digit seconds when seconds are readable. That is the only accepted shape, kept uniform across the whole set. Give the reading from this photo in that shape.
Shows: 5,52
